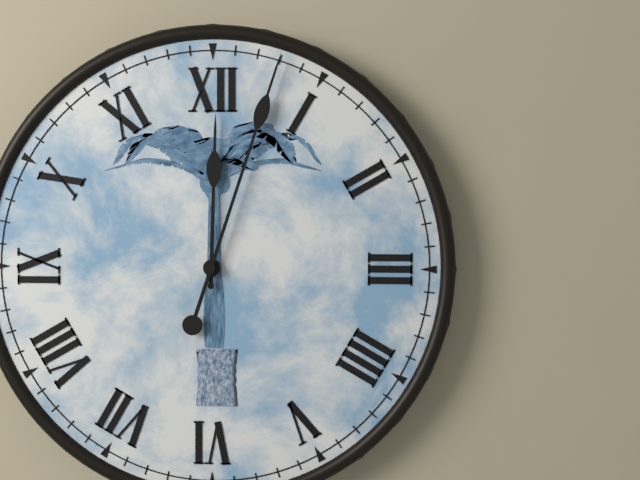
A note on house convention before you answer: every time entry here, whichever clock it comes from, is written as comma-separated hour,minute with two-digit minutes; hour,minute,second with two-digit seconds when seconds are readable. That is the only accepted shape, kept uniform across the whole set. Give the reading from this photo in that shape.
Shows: 12,03
